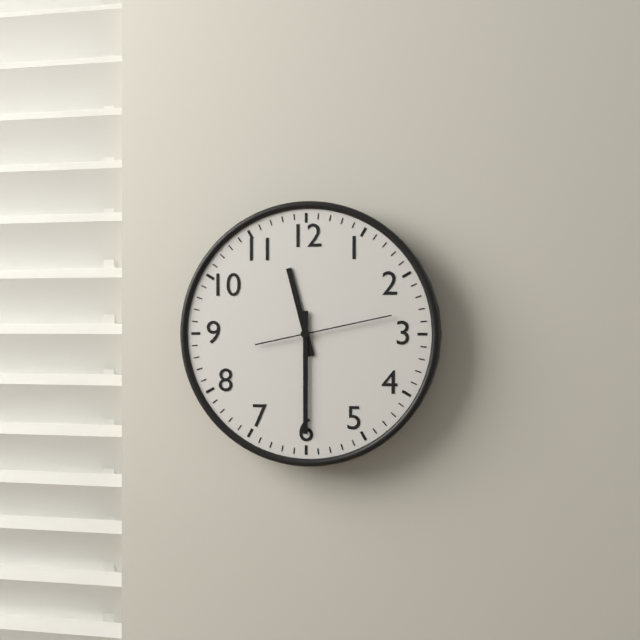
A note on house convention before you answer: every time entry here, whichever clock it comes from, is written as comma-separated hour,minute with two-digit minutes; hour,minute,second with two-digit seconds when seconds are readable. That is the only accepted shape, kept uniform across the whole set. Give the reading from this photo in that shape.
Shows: 11,30,13
